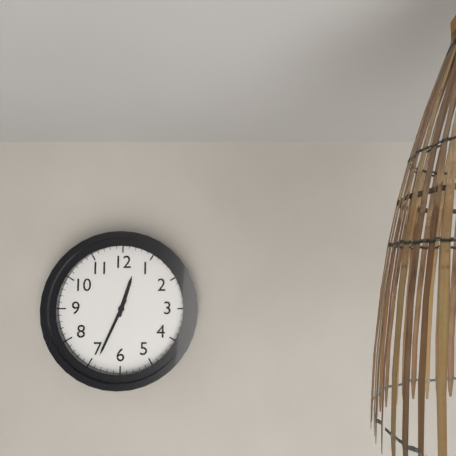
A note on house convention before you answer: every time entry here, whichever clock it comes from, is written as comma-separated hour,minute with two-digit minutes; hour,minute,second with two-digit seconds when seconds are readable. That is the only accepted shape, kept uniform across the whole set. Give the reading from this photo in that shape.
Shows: 12,34
